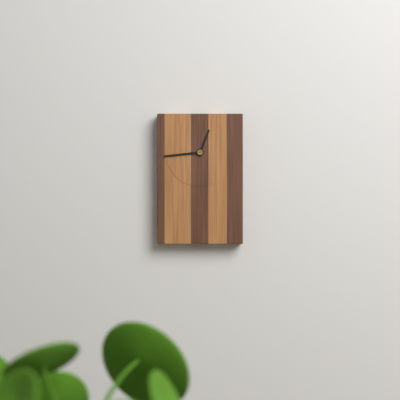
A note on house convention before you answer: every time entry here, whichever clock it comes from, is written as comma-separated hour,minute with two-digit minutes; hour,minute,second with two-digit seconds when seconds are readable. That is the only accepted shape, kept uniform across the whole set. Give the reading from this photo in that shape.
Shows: 12,44
